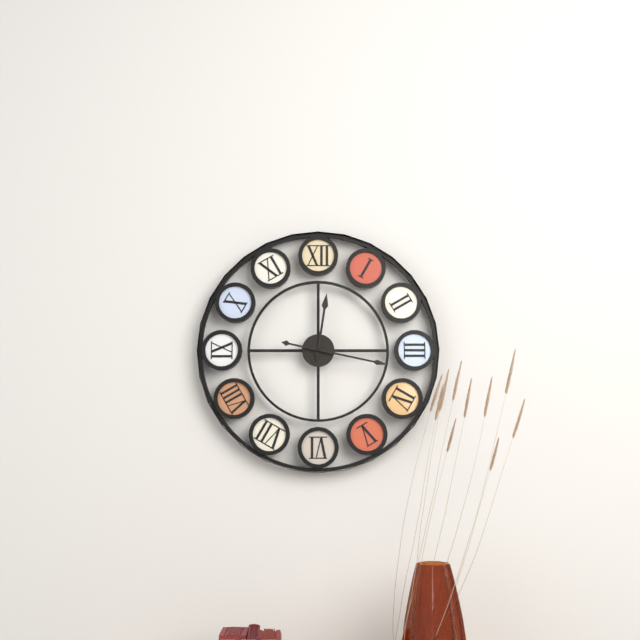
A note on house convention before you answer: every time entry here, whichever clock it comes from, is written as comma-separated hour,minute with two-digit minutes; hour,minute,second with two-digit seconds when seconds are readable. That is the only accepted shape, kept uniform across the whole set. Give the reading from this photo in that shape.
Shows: 12,17
